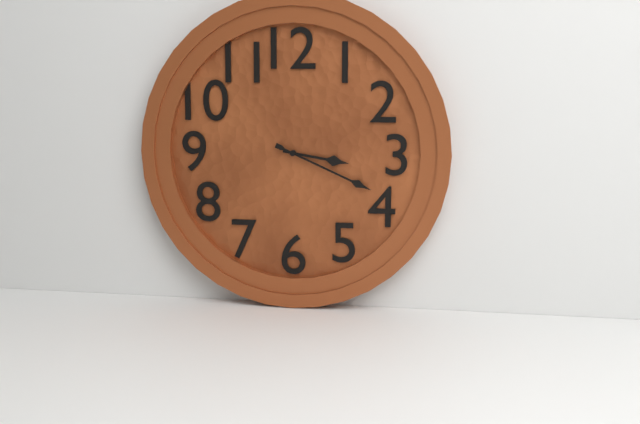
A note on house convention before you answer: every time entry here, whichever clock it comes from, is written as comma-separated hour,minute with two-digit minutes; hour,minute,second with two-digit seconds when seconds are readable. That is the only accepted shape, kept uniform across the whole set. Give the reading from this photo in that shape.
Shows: 3,19
